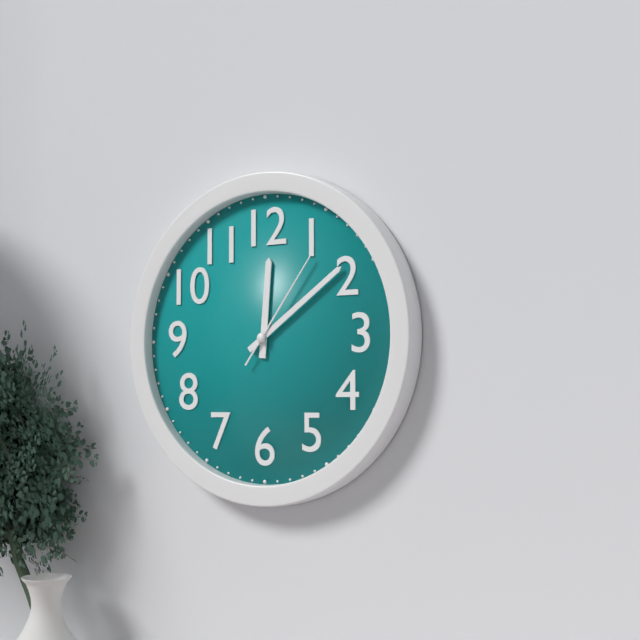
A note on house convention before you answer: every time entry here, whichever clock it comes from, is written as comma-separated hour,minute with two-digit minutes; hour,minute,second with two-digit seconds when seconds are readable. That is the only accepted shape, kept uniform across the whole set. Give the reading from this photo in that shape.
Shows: 12,09,06
